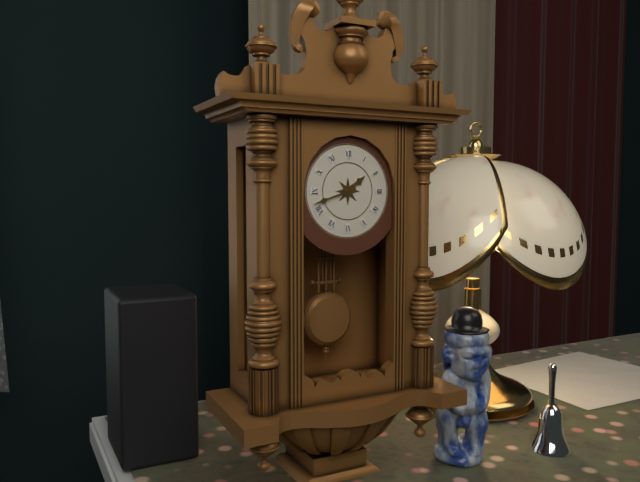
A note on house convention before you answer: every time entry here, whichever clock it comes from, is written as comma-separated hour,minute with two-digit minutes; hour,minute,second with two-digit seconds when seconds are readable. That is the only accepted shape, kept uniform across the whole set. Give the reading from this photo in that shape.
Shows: 1,42
